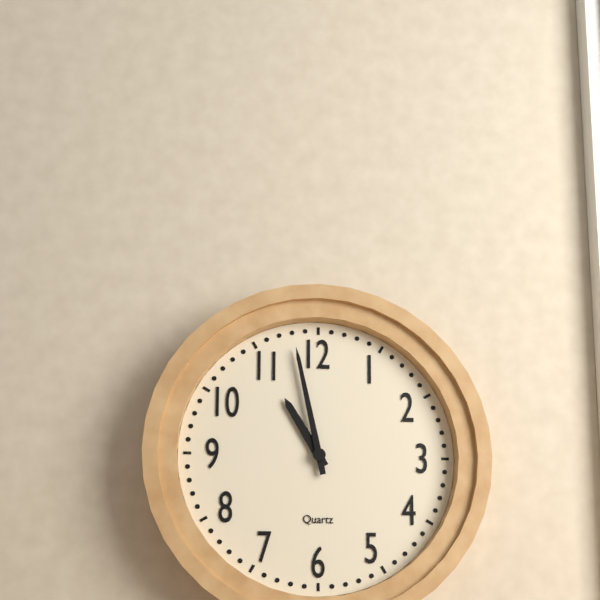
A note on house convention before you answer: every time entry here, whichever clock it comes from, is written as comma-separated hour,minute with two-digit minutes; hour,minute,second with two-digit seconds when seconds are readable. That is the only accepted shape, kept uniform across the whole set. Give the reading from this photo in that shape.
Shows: 10,58
